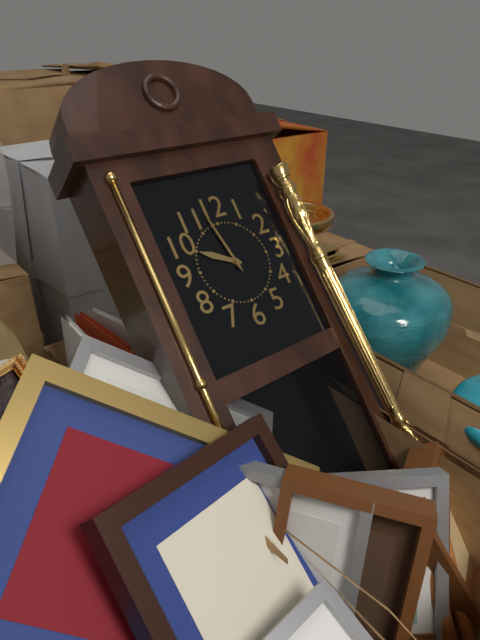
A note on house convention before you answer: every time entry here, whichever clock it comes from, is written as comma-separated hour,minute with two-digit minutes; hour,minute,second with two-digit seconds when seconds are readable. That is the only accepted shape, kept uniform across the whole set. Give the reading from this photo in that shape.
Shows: 9,58,58
